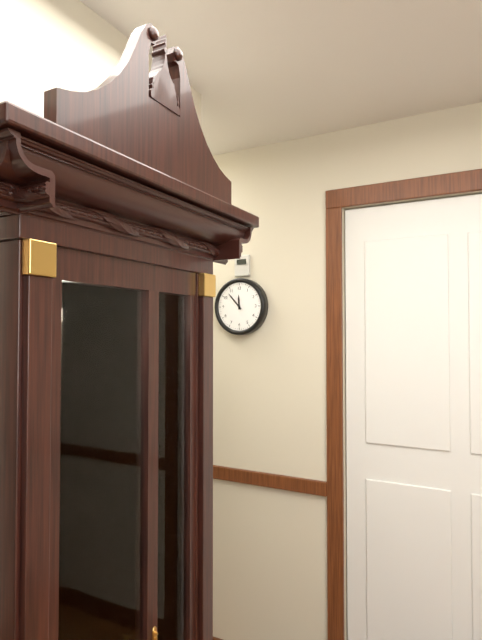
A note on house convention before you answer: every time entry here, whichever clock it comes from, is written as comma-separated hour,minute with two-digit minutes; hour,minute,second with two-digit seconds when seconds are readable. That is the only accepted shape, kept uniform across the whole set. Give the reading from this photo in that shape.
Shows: 11,53
